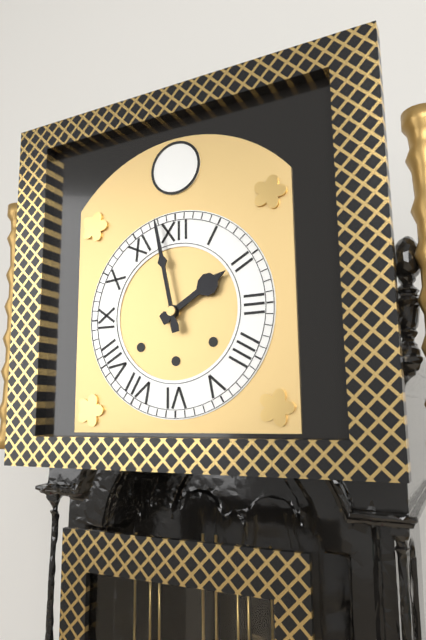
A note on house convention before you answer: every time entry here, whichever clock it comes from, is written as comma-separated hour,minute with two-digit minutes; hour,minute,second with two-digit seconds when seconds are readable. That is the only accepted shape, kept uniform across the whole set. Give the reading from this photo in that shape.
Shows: 1,58
